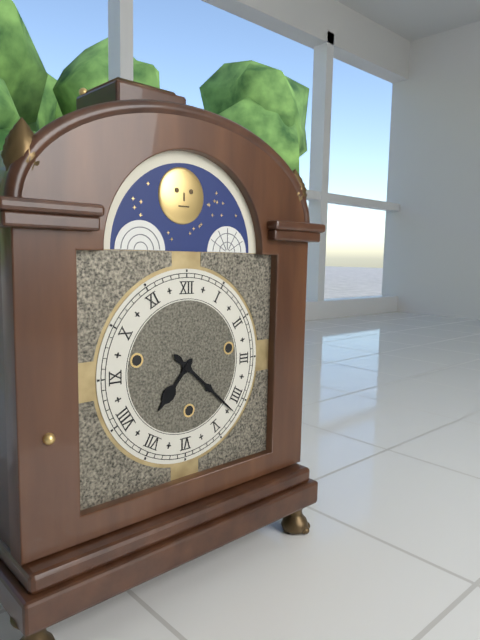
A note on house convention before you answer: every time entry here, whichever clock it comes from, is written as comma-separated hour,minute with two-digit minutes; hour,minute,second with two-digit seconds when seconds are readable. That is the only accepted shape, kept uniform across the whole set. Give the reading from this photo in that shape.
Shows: 7,22
